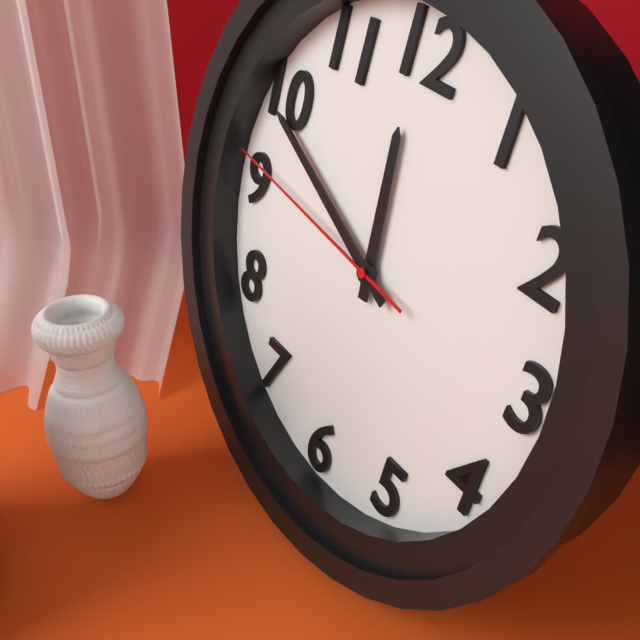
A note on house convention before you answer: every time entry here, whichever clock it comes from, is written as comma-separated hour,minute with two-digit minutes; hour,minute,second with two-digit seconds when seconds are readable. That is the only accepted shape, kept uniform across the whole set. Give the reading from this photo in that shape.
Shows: 11,49,46
